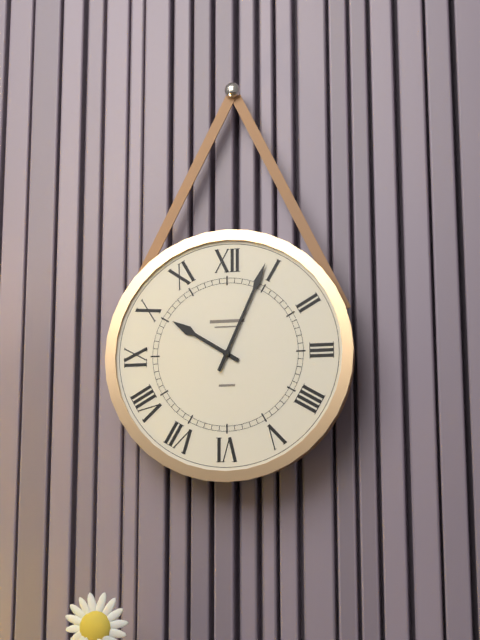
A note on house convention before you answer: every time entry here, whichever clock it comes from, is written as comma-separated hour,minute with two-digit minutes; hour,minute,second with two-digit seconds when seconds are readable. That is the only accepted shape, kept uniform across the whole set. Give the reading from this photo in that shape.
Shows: 10,04
